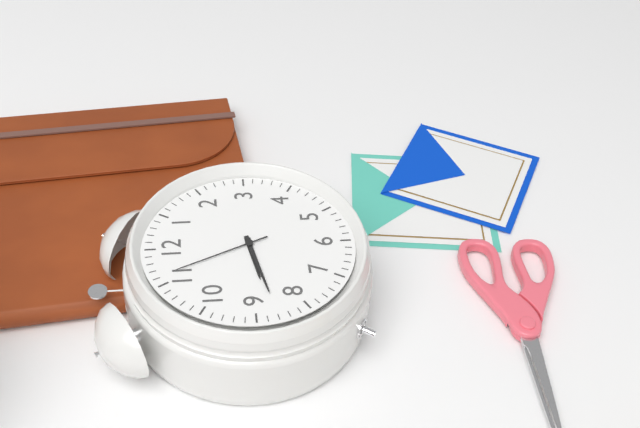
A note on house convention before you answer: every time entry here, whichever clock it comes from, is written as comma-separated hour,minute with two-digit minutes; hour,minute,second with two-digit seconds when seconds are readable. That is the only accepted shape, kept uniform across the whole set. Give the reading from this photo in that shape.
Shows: 8,43,56
